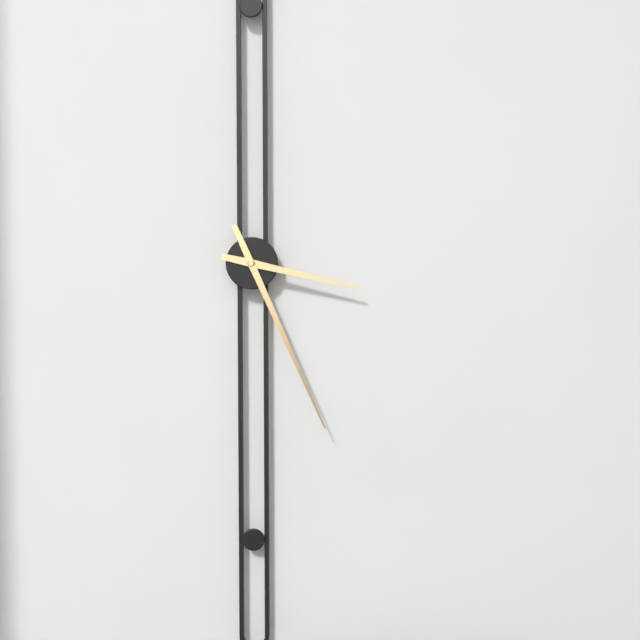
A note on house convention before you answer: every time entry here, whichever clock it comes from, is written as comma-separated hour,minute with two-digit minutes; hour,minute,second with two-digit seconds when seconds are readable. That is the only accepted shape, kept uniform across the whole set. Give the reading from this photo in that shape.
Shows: 3,26
